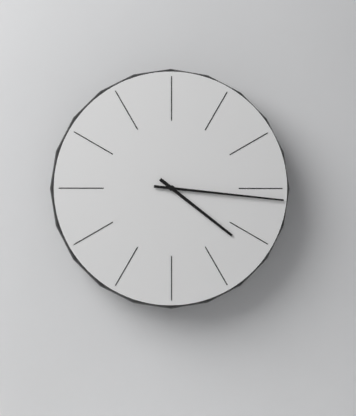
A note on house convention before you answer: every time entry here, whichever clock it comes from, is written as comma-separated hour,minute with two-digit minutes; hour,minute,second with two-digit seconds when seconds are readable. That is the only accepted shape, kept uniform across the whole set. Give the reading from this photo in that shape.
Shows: 4,16
